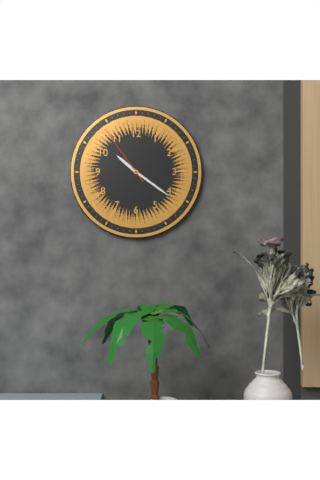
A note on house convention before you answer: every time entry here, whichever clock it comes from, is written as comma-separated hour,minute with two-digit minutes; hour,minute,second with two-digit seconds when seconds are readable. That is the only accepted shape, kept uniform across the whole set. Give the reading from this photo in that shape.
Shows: 10,21,54
